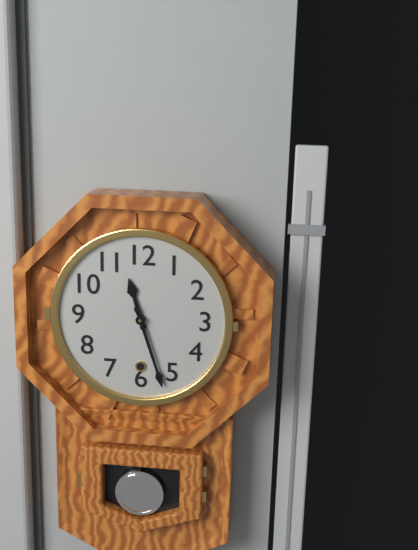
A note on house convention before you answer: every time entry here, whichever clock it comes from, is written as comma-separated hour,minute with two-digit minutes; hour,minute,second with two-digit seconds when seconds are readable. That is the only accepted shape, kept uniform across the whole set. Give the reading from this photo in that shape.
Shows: 11,27
